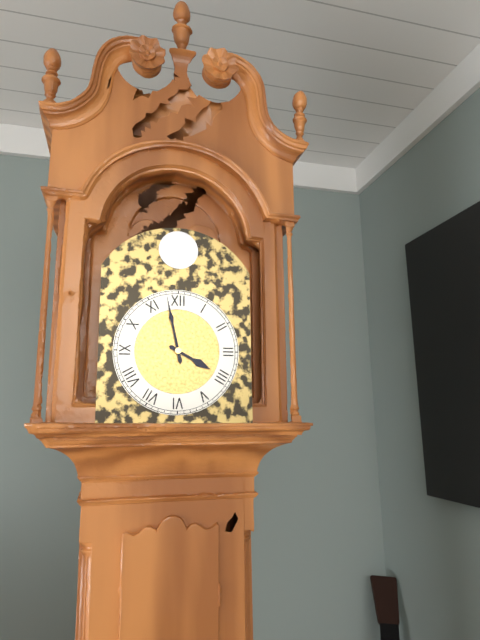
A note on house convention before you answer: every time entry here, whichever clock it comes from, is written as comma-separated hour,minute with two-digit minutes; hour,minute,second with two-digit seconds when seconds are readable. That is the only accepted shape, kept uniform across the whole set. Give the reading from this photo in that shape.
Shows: 3,58
